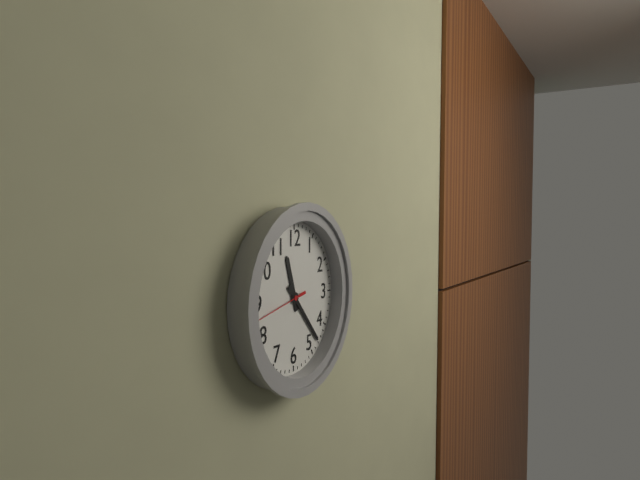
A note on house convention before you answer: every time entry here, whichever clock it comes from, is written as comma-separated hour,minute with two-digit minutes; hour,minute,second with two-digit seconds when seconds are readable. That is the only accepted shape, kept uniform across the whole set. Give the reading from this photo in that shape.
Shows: 11,23,43
